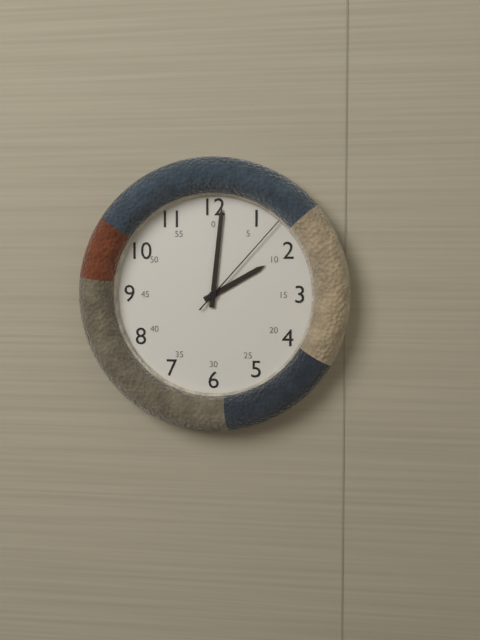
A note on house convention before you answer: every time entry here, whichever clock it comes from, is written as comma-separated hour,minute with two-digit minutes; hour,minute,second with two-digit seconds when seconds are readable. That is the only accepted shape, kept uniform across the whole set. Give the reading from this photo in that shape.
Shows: 2,01,07
